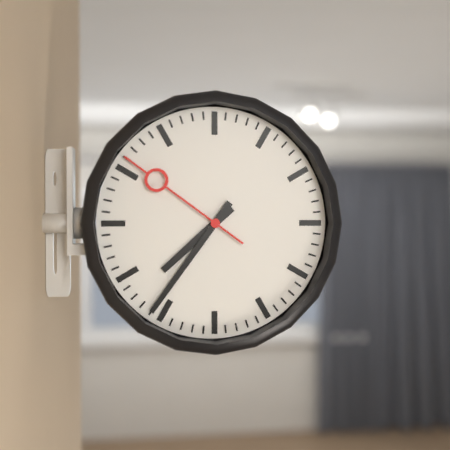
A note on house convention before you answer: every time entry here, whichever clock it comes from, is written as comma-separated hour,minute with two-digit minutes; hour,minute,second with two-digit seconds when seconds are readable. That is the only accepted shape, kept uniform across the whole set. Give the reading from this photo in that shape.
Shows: 7,36,51
